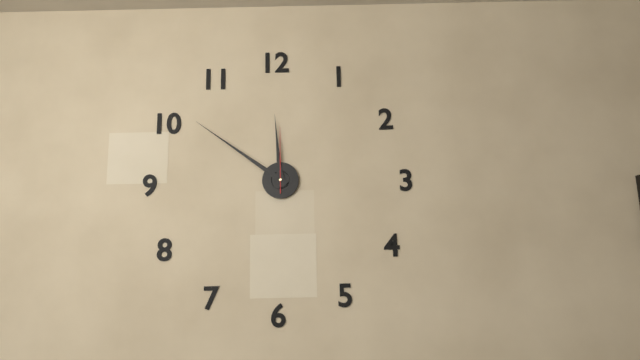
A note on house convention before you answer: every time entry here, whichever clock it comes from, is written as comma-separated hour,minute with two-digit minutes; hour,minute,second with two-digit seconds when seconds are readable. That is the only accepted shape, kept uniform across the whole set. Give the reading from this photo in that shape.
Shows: 11,51,00
